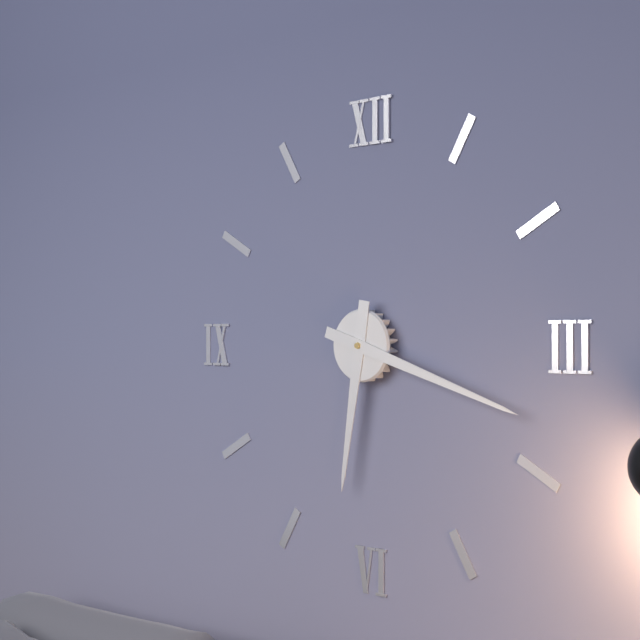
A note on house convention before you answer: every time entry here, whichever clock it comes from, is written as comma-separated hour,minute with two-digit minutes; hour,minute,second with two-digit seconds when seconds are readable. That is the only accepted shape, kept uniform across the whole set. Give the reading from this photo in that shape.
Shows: 6,18
